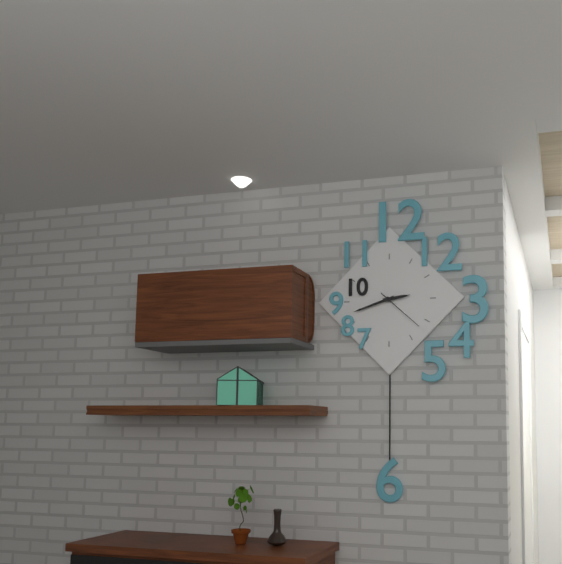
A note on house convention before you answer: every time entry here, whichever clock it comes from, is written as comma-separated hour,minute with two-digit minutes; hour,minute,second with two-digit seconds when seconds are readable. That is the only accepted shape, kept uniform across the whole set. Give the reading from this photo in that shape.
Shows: 2,42
